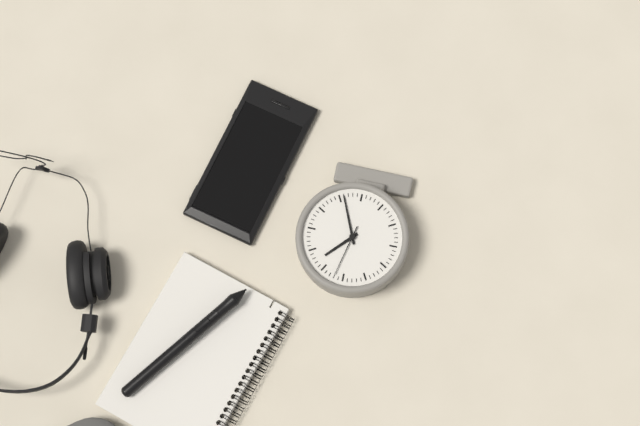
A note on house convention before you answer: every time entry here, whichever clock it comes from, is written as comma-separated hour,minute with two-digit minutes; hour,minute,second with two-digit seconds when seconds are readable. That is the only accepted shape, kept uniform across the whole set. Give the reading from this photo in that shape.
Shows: 1,26,02
